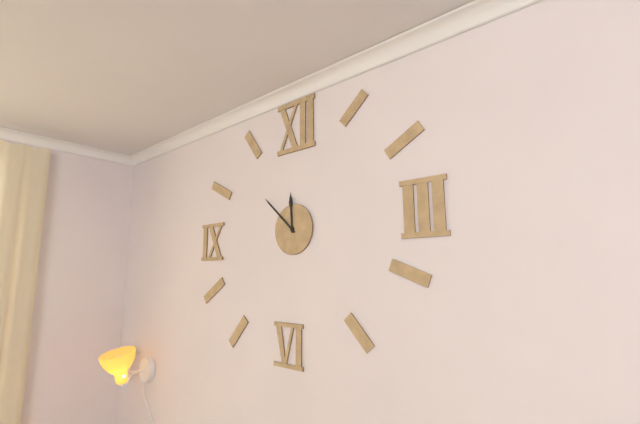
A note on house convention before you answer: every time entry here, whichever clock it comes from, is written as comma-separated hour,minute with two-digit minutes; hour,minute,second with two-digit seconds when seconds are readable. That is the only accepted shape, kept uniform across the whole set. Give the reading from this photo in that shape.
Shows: 11,52
